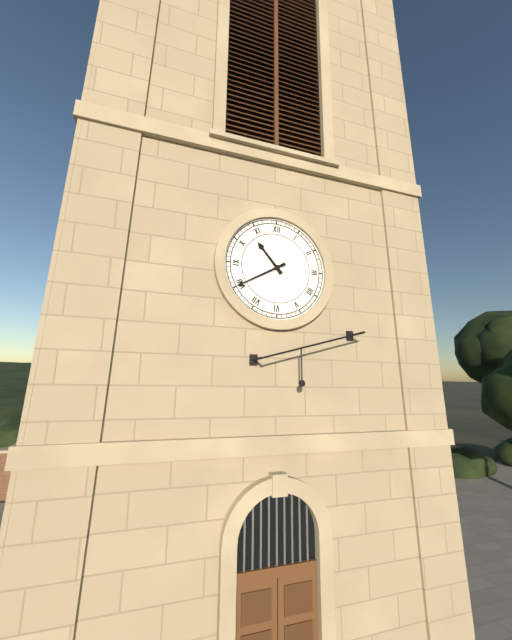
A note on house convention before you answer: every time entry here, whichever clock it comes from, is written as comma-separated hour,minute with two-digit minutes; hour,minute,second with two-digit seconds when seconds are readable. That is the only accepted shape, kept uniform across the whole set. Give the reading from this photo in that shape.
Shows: 10,40
